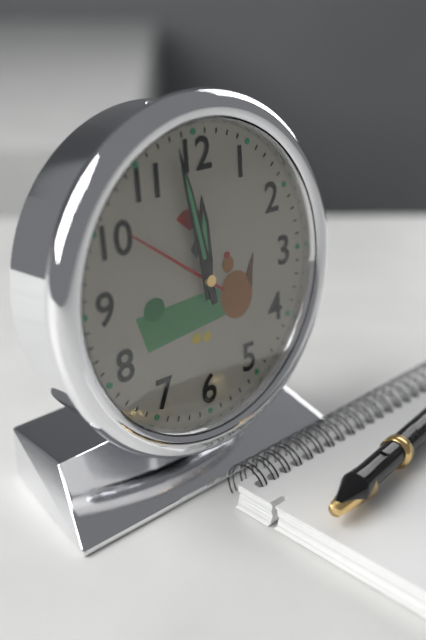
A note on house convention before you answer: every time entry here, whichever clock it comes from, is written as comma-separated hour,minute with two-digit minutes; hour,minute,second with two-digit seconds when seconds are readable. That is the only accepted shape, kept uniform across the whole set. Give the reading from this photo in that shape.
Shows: 11,58
